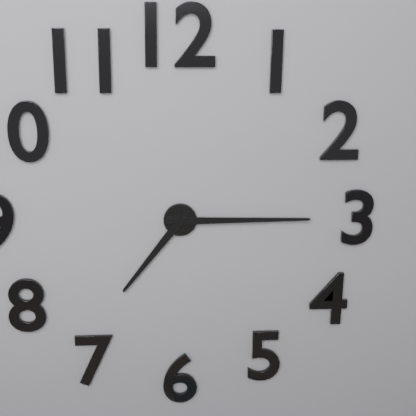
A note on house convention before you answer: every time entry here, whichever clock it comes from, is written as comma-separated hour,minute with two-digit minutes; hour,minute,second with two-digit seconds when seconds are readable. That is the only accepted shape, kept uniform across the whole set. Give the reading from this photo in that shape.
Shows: 7,15
